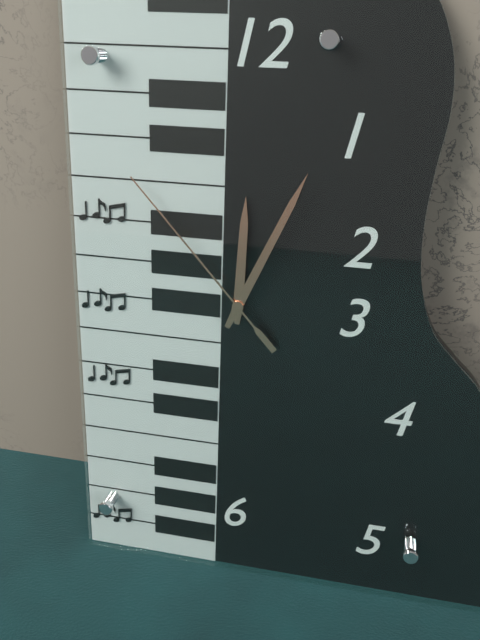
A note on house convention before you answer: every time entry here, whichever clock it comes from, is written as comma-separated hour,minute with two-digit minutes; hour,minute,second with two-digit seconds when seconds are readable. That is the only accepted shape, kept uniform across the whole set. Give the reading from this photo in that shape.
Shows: 12,04,53
